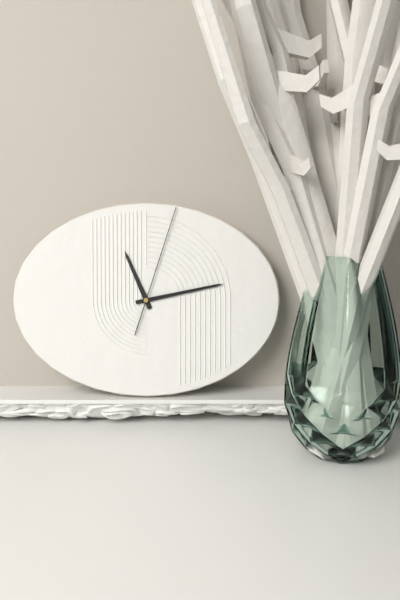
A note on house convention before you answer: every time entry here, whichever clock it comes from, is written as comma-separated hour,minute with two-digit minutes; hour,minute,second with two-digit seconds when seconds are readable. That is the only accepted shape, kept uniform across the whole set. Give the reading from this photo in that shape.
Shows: 11,13,03
